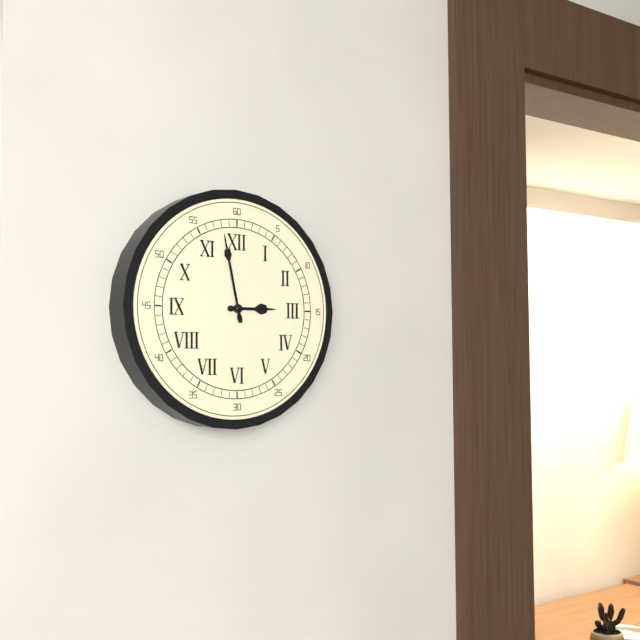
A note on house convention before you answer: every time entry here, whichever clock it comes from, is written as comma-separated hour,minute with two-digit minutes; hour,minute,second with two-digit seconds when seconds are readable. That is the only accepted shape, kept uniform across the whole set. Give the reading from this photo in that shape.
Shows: 2,58
